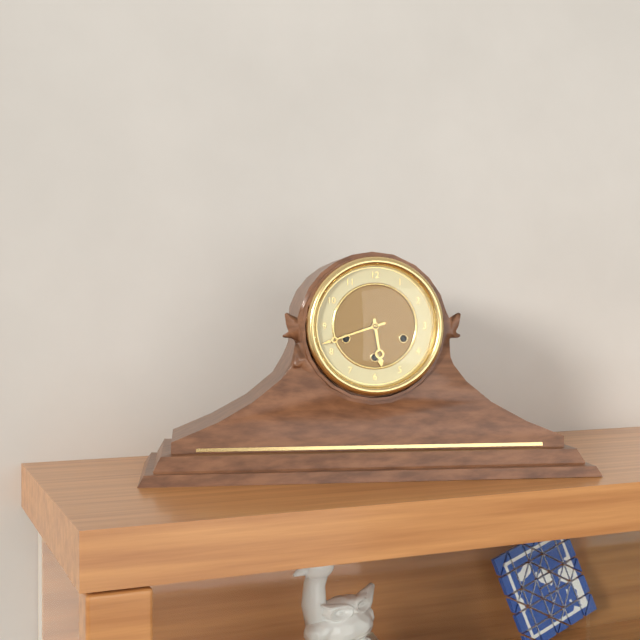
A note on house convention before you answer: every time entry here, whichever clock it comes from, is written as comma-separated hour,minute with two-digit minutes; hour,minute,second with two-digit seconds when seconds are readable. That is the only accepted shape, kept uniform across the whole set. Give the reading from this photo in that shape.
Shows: 5,42
